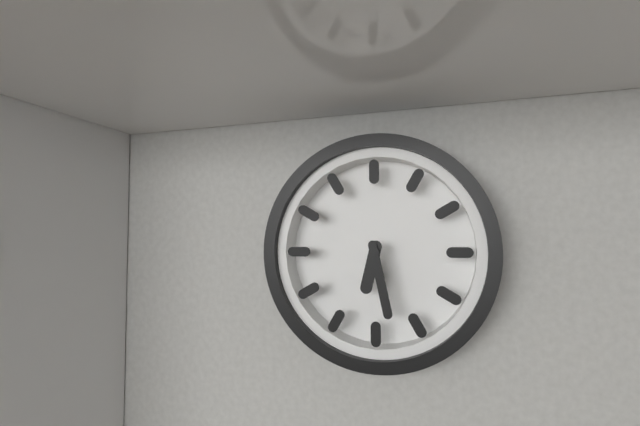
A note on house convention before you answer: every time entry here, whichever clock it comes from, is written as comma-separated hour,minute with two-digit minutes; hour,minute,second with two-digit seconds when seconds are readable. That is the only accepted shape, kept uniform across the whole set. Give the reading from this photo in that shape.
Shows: 6,28
